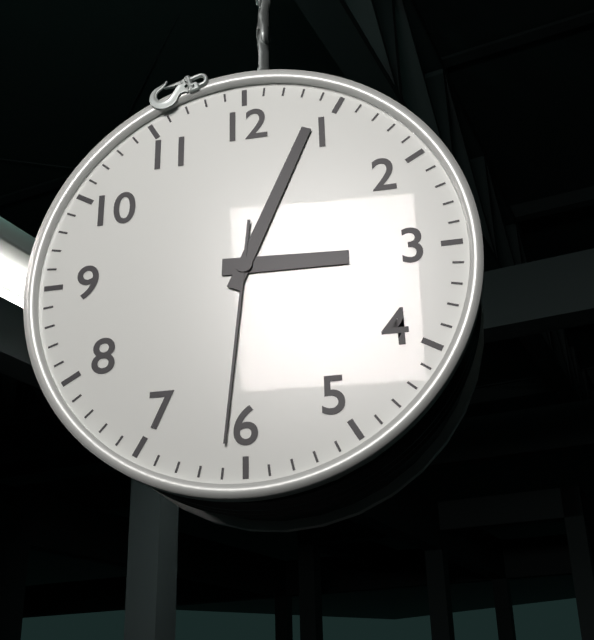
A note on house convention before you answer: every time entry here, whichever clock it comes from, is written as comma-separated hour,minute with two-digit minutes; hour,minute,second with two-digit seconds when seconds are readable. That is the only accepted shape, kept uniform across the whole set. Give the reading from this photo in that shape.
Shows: 3,04,31
